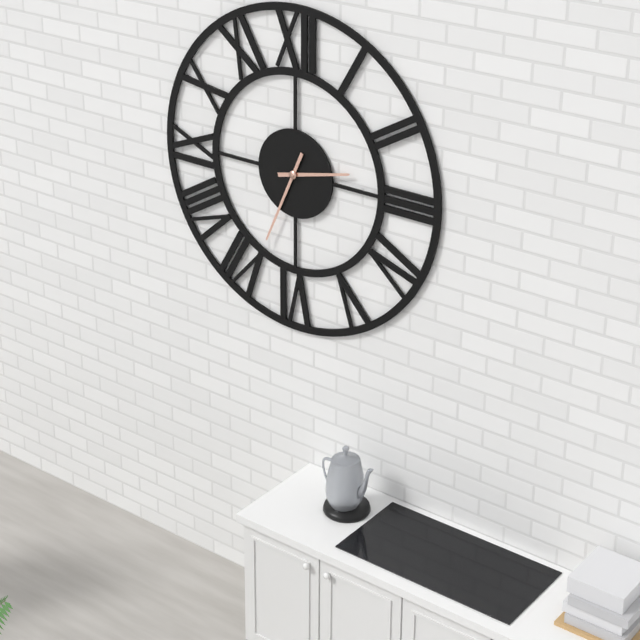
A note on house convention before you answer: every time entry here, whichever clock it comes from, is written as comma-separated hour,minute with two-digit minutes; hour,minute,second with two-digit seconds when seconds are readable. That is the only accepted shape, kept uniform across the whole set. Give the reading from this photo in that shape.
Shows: 2,34
